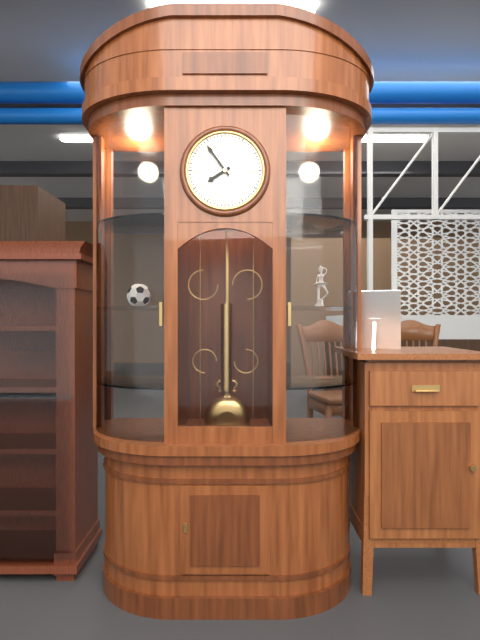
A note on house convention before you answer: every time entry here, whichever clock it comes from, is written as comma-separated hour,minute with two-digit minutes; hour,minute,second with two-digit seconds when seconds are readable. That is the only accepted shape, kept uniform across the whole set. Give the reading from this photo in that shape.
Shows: 7,54
